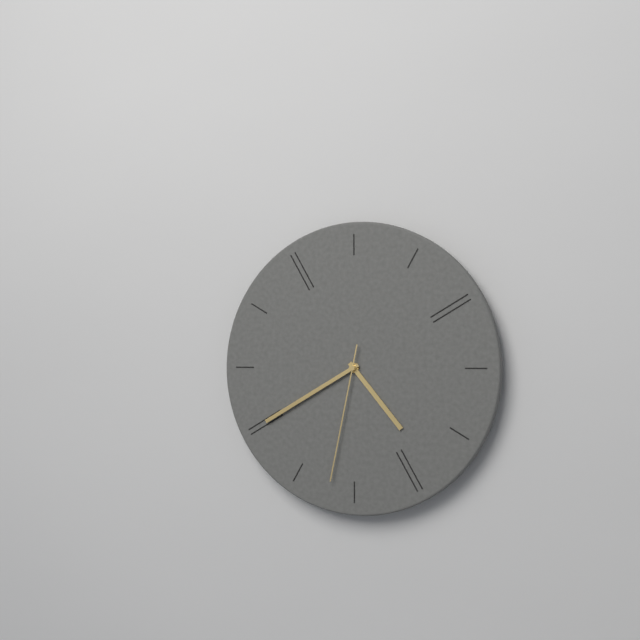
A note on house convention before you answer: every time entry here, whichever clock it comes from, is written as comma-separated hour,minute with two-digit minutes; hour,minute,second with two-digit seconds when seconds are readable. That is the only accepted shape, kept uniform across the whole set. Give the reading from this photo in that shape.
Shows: 4,40,32
